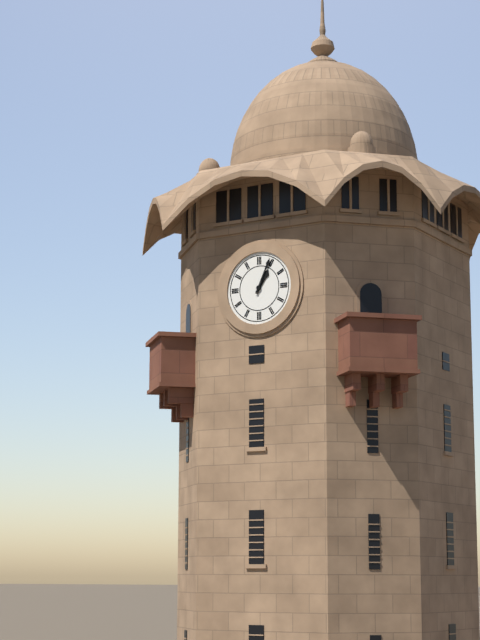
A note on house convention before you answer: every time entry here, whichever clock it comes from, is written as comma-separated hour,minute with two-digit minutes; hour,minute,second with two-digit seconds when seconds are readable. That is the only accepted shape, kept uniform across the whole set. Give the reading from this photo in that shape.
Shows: 1,04
